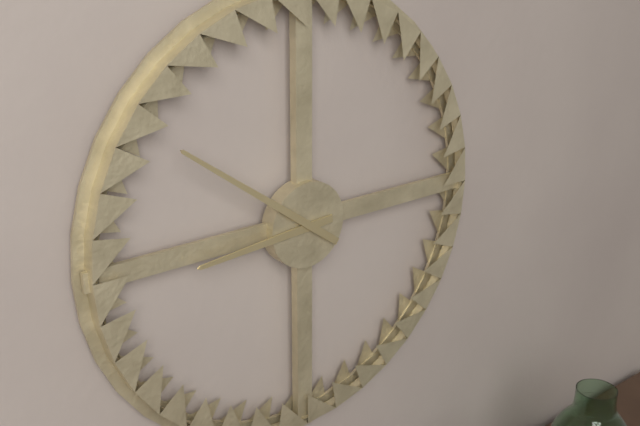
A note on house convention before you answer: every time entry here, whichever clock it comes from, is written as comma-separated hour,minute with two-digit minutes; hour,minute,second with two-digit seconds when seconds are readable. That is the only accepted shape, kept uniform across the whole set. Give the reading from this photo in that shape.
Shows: 8,51
